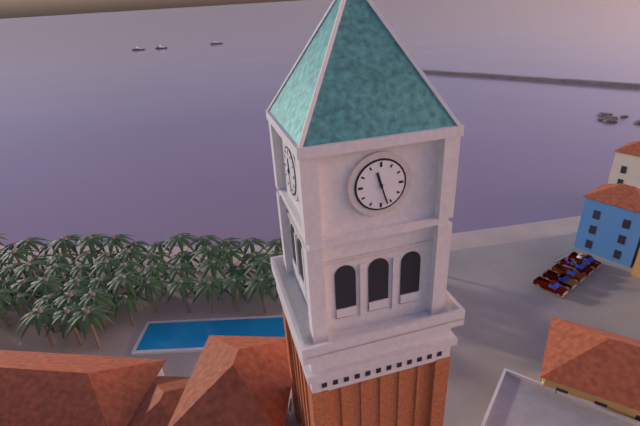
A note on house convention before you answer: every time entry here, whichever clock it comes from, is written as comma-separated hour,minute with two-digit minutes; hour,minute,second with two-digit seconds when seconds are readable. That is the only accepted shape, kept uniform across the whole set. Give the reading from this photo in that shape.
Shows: 11,27
